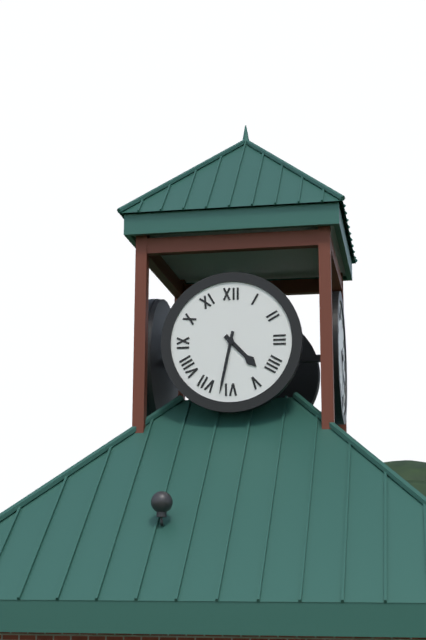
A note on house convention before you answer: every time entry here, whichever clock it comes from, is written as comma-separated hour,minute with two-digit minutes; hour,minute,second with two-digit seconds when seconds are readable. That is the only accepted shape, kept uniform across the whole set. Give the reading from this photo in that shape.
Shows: 4,32
